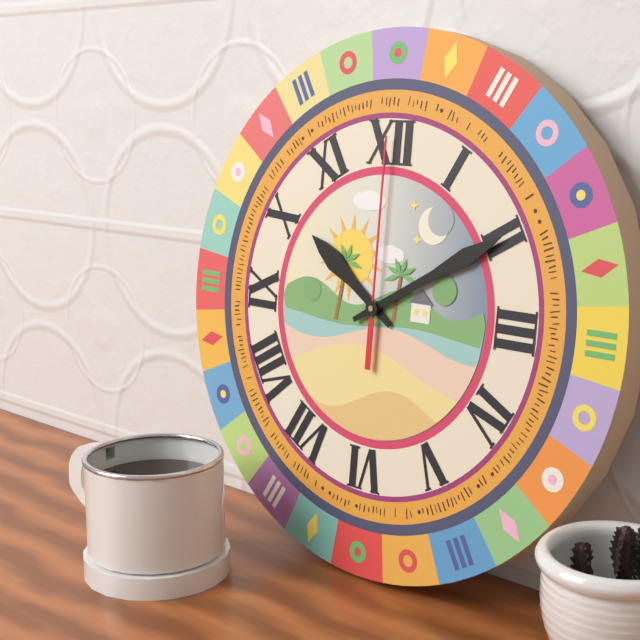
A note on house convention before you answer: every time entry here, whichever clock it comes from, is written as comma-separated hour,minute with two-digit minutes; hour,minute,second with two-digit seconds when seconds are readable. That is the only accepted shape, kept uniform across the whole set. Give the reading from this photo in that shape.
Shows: 10,10,00
